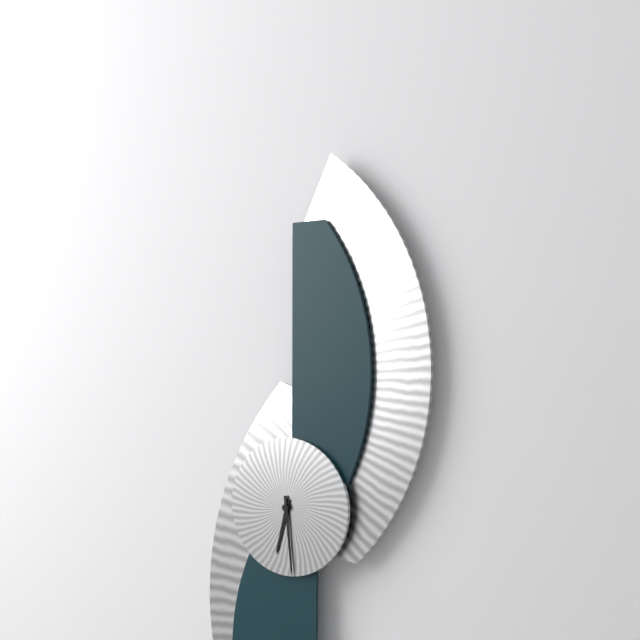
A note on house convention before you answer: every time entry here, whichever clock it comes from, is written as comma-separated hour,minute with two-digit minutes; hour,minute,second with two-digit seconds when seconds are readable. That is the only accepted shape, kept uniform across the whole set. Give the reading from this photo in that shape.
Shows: 6,29
